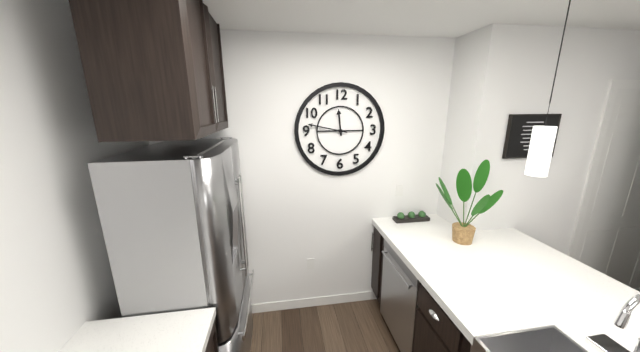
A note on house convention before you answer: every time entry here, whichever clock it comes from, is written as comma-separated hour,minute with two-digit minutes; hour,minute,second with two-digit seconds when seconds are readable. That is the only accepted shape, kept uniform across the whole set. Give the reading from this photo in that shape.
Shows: 11,47
